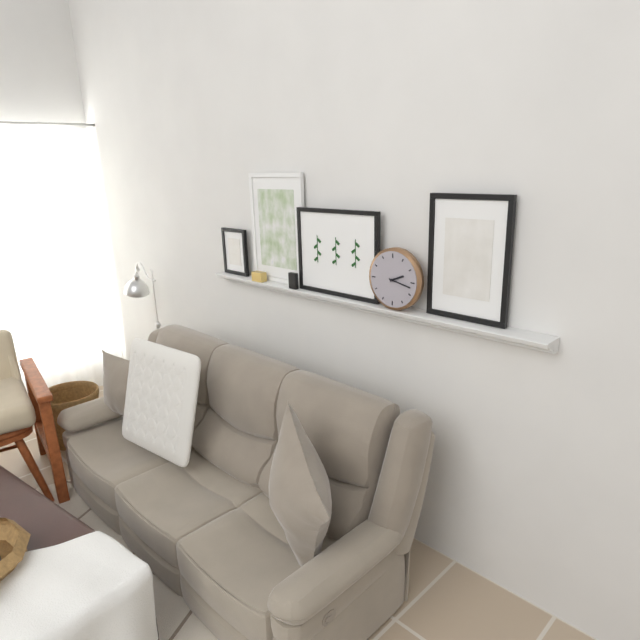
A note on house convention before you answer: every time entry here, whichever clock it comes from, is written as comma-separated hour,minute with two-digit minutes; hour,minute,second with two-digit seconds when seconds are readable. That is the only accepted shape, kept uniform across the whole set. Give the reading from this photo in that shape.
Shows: 2,17
